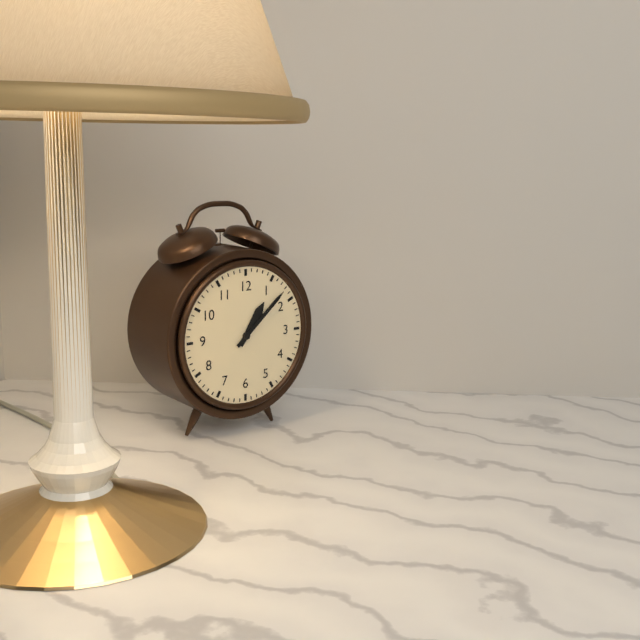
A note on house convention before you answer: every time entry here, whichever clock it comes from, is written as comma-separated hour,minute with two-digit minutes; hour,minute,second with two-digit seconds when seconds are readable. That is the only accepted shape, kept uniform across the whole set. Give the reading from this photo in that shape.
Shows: 1,08
